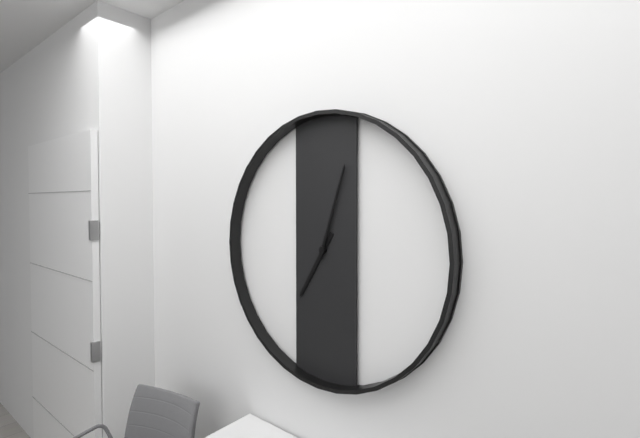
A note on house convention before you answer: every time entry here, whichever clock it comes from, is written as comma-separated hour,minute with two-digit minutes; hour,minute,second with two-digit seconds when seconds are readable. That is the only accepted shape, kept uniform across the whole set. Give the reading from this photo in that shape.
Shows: 7,03
